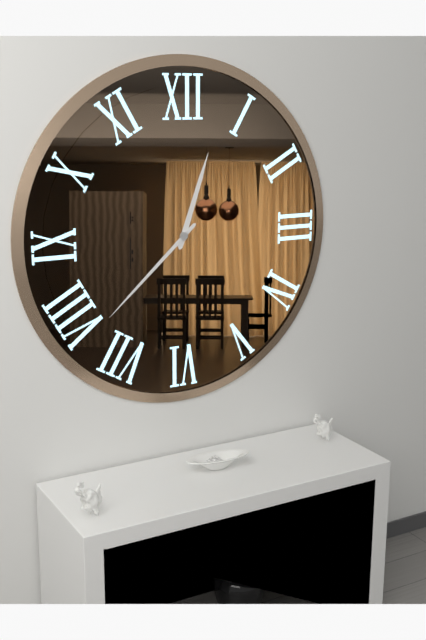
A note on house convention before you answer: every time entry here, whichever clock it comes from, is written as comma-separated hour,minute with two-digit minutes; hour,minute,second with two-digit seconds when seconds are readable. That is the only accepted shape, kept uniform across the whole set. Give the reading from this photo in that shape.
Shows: 12,38
